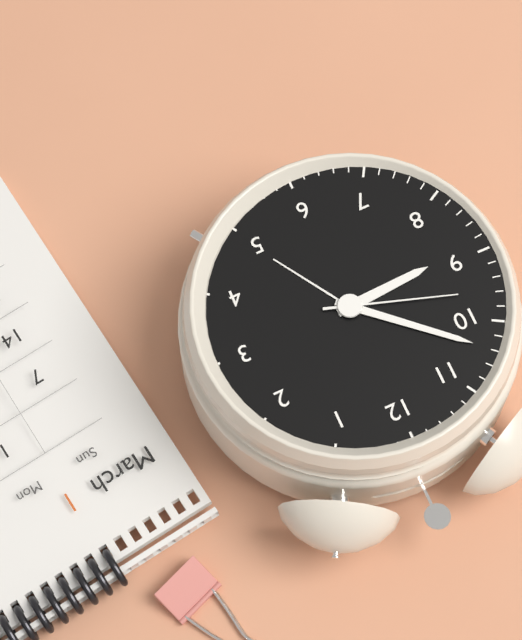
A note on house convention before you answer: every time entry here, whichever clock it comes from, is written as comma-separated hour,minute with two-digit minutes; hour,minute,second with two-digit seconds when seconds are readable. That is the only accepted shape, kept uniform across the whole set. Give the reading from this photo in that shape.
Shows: 8,52,48
